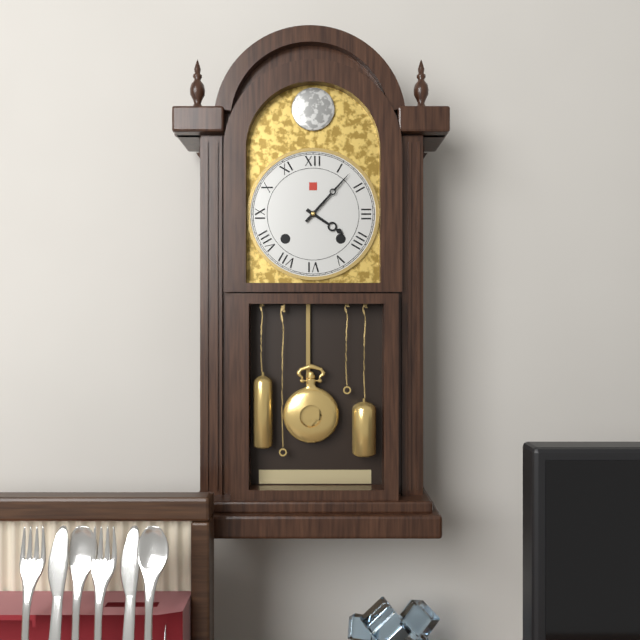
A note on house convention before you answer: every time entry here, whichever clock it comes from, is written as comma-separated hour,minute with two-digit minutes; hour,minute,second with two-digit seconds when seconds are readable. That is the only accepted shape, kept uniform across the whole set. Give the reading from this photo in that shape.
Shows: 4,07
